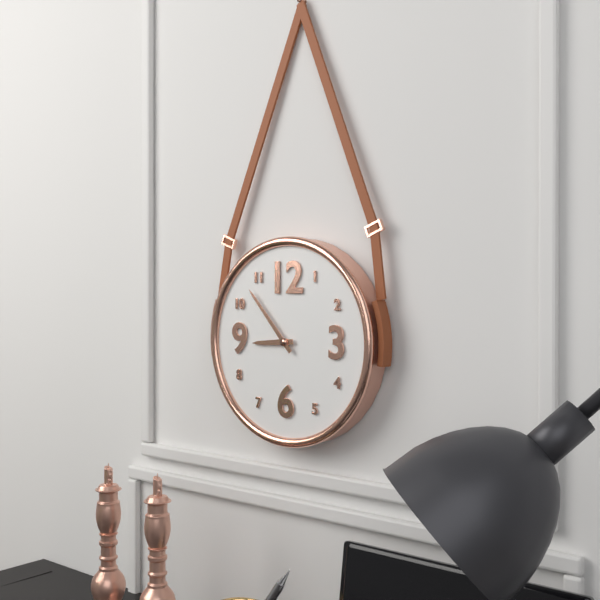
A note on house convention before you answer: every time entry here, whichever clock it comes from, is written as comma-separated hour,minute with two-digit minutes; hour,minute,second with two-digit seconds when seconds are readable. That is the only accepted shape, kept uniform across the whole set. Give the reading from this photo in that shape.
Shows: 8,53
